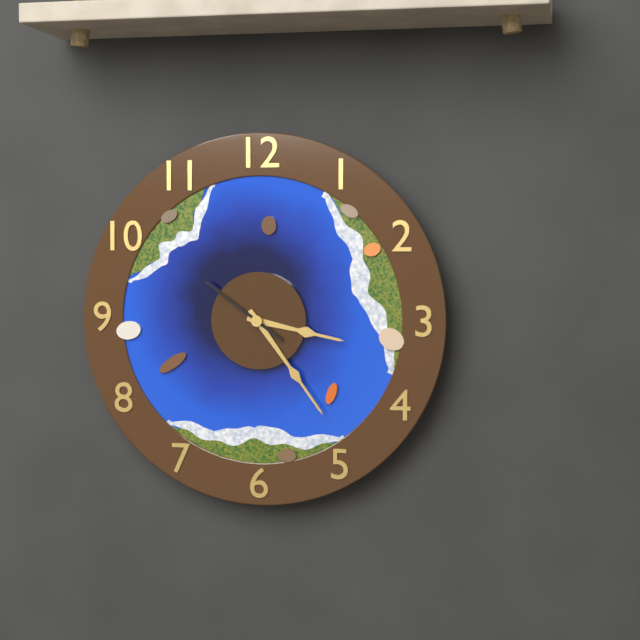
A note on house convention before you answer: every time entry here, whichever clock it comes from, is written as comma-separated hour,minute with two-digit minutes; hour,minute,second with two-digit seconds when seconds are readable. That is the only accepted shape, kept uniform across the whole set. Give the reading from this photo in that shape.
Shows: 3,24,51
